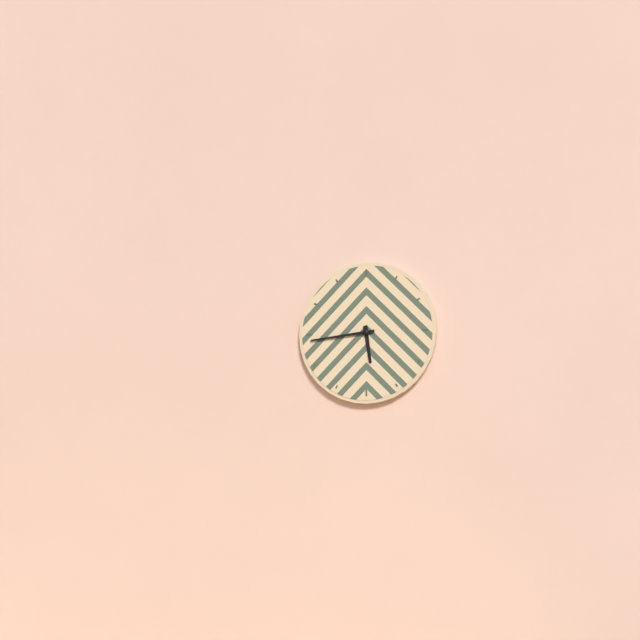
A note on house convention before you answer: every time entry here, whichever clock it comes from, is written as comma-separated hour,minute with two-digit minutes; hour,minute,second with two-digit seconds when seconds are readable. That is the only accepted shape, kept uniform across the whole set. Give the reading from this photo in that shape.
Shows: 5,44
